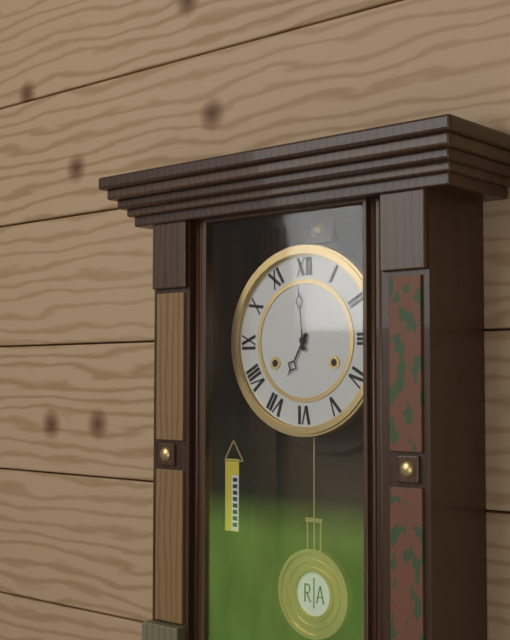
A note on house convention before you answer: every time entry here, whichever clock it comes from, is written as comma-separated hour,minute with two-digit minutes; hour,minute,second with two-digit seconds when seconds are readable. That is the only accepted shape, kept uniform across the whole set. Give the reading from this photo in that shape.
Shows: 6,59
